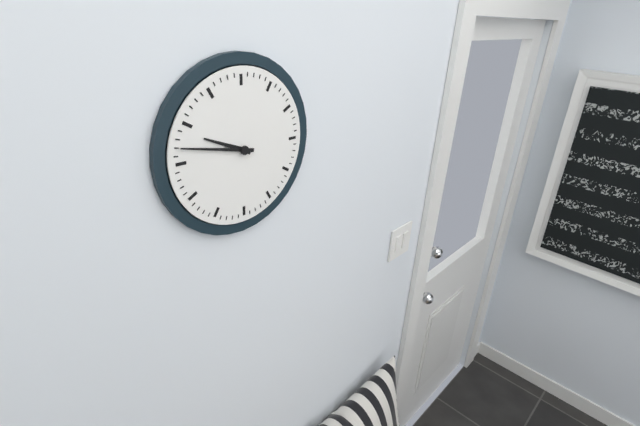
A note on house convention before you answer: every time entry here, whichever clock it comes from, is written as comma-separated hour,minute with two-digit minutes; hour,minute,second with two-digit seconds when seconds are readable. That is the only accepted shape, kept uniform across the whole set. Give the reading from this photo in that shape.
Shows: 9,47
